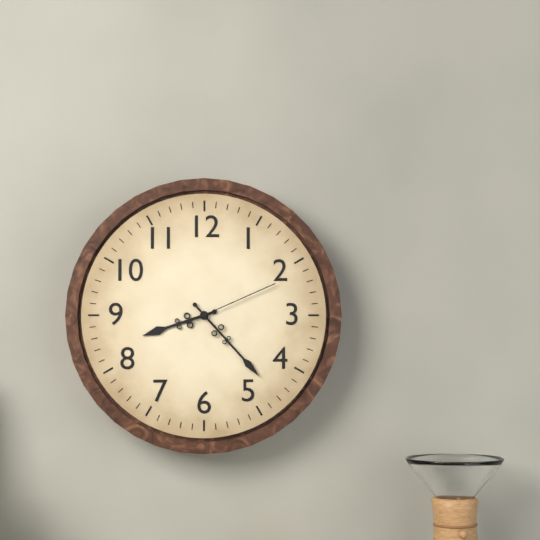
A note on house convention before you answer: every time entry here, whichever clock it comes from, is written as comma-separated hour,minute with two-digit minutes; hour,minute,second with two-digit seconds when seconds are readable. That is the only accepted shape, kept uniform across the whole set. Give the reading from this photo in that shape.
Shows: 8,23,11
